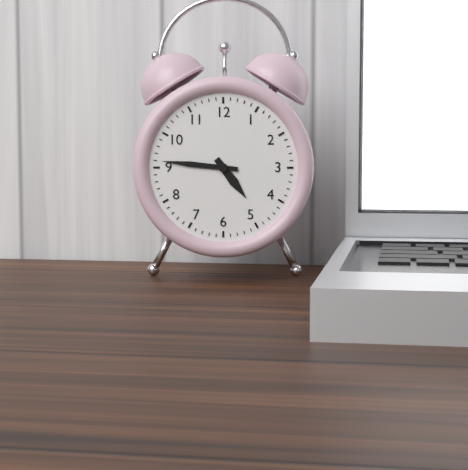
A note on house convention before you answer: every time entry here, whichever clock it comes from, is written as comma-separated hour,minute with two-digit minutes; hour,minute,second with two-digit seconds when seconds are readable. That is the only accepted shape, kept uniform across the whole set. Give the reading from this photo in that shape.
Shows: 4,46
